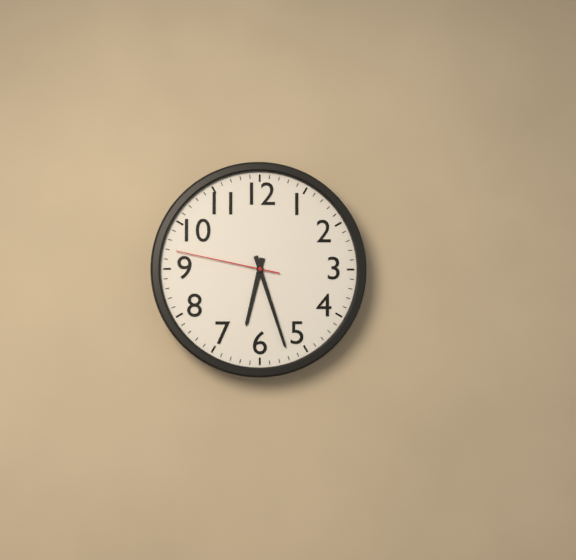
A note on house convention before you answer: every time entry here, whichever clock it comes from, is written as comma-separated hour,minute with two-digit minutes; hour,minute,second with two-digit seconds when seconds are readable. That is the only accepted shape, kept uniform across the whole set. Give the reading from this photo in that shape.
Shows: 6,27,47
